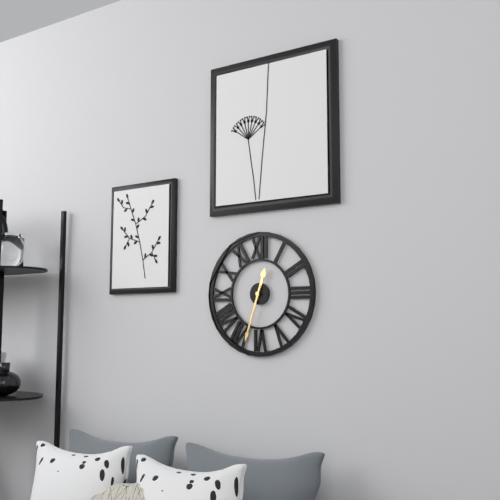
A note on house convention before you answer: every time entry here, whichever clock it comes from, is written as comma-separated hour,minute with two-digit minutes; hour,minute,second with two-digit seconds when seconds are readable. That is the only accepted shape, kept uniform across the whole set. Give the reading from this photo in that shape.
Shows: 12,33
